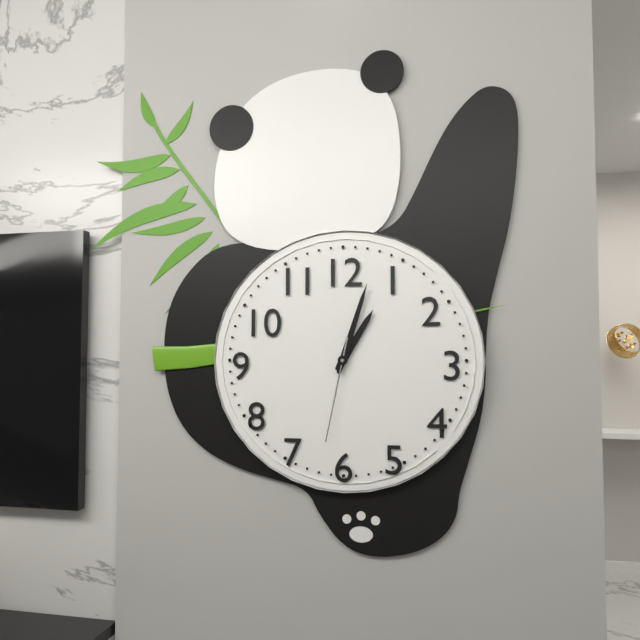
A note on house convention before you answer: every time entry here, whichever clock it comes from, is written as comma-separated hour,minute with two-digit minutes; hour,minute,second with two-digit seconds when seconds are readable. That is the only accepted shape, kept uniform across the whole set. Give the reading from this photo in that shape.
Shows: 1,03,32
